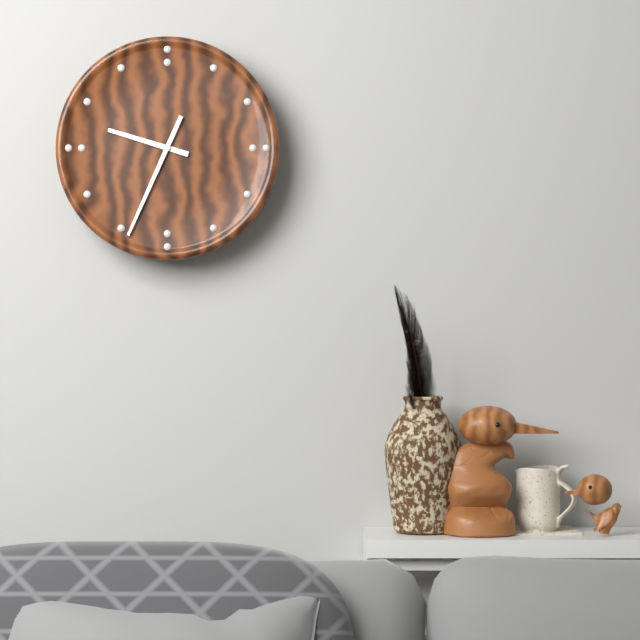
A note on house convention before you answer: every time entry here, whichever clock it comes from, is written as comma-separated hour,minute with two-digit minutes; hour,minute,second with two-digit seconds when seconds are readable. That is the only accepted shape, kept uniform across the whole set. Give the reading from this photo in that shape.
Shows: 9,34
